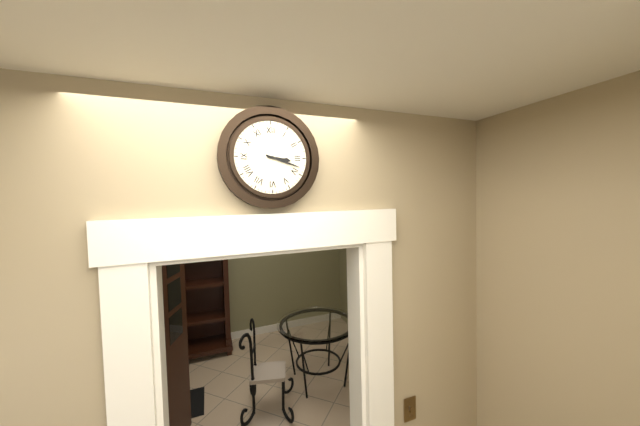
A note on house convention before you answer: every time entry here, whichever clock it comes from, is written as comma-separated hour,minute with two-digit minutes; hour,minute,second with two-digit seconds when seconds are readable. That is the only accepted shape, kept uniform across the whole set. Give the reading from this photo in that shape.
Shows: 3,18
